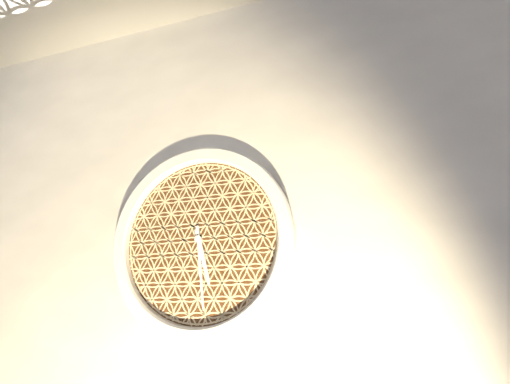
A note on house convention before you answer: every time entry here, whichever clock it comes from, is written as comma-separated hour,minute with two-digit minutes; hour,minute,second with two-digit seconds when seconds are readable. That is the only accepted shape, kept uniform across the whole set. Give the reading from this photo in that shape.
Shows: 5,29
